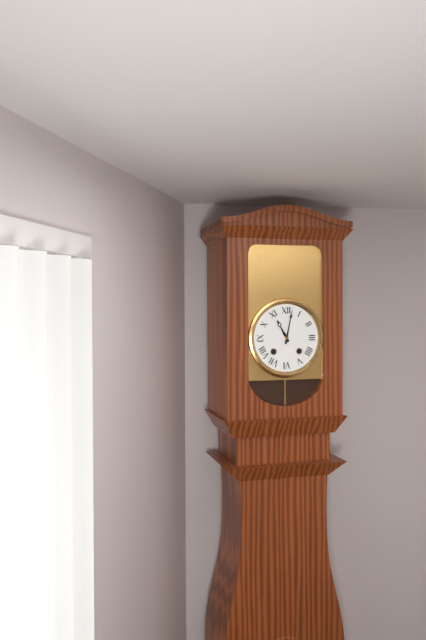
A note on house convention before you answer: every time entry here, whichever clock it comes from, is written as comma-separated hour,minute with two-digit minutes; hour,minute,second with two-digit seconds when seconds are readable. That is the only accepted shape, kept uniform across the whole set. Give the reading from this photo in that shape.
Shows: 11,02
